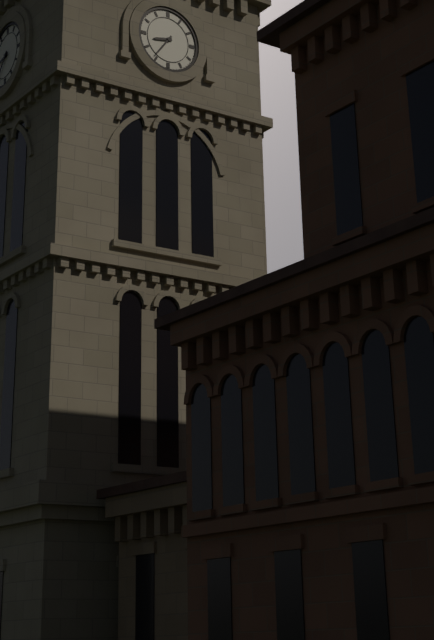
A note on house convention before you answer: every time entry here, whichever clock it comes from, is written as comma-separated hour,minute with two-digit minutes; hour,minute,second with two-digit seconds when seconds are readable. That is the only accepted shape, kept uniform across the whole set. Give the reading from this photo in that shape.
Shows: 8,36
